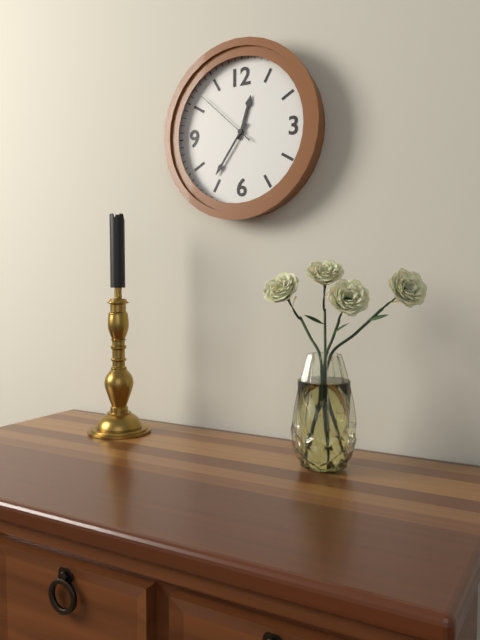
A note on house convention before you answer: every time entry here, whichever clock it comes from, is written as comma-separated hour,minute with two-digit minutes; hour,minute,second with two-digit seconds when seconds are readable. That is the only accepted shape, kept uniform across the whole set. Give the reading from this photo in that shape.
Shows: 12,36,52
